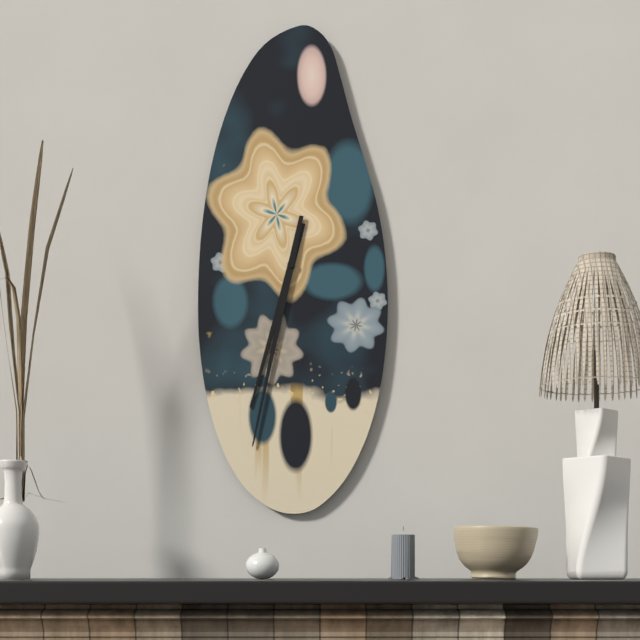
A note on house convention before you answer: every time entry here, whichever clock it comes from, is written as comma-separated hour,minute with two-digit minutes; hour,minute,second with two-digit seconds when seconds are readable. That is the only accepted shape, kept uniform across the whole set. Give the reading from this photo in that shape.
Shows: 6,32
